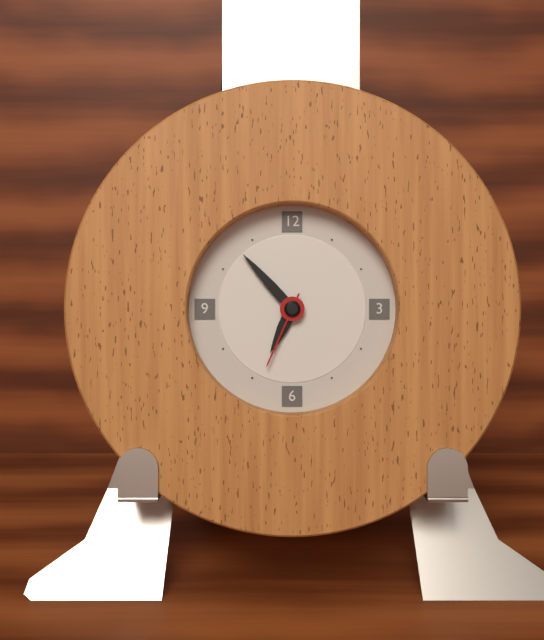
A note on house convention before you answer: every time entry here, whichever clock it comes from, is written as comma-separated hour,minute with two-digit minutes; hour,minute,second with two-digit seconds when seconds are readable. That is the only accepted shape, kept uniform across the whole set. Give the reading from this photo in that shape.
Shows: 6,53,34
